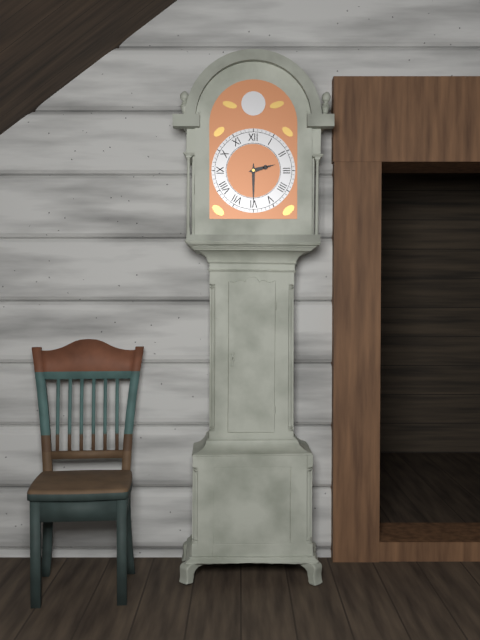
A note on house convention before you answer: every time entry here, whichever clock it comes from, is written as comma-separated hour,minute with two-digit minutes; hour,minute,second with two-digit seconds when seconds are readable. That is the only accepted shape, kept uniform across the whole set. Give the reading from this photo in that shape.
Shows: 2,30
